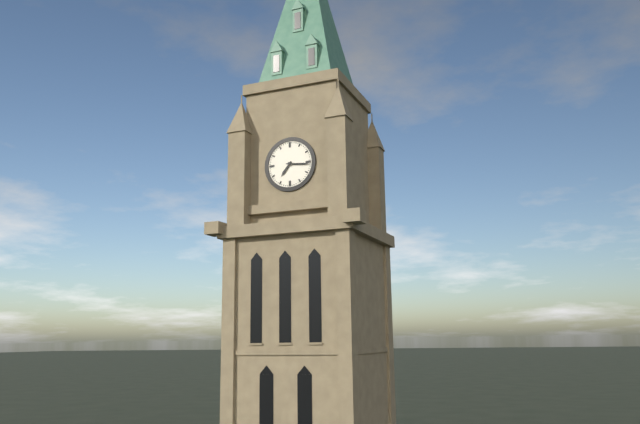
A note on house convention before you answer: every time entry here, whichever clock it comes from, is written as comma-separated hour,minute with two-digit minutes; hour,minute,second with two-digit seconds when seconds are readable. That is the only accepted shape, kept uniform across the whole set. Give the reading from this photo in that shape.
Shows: 7,16
